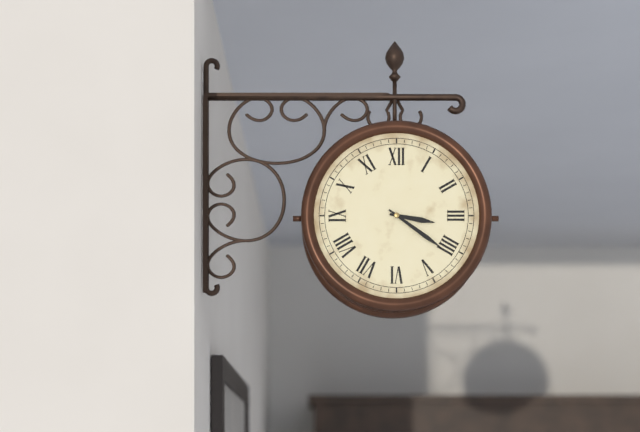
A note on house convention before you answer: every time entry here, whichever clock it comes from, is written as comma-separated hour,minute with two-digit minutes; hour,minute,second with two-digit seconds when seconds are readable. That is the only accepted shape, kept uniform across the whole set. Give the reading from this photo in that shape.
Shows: 3,21
